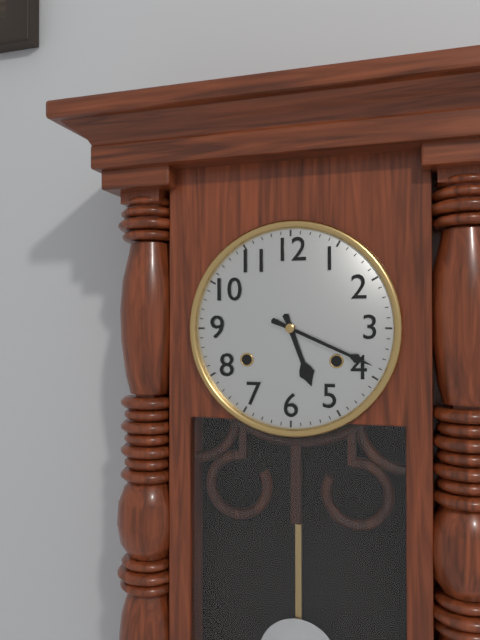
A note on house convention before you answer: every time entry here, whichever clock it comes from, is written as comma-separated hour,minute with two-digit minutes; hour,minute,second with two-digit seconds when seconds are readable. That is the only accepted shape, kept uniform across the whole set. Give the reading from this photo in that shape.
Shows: 5,19
